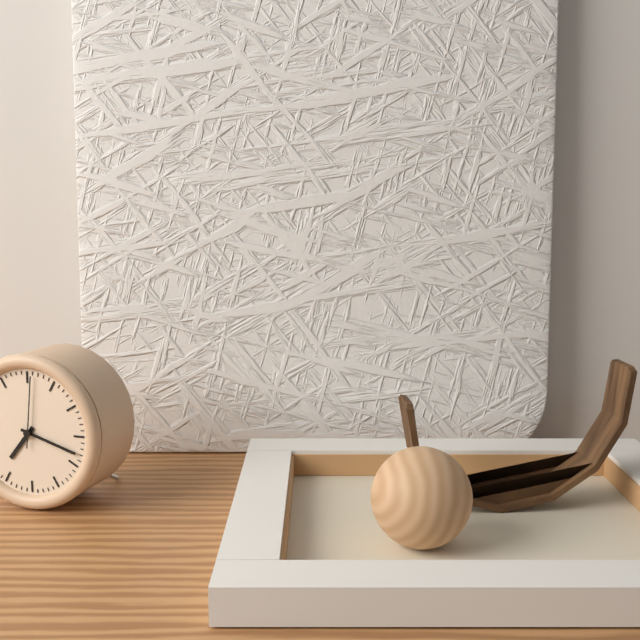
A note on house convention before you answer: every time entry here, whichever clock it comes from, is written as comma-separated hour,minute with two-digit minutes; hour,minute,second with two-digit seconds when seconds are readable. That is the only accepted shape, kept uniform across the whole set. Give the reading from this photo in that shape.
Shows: 7,18,01
